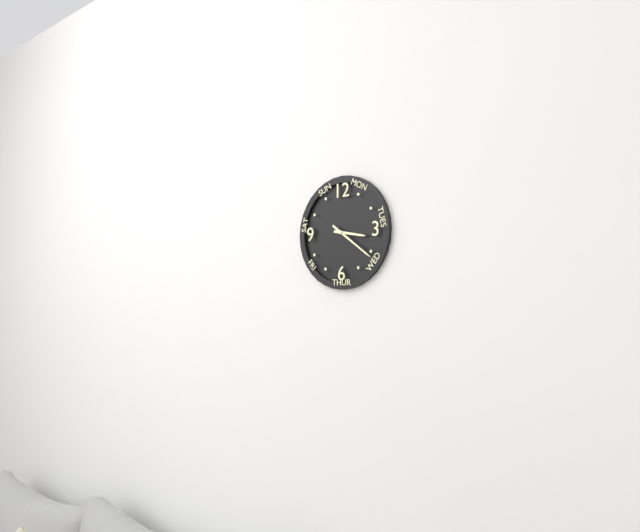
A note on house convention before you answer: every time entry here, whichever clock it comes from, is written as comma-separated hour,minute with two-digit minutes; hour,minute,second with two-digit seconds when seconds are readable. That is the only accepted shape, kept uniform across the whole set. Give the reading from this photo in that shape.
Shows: 3,21
